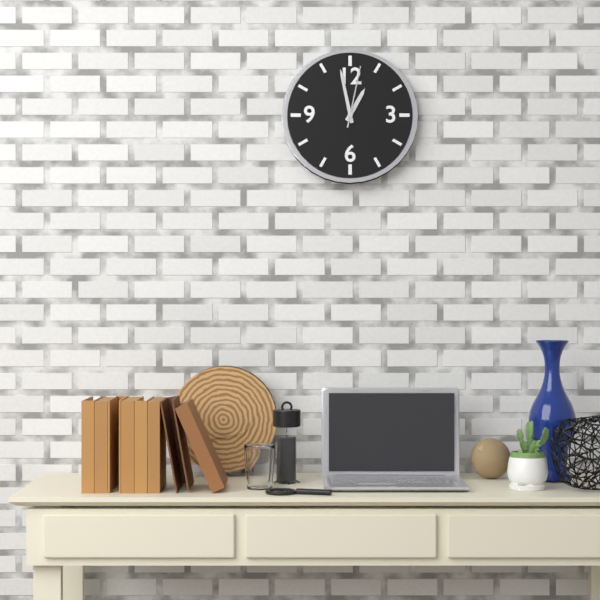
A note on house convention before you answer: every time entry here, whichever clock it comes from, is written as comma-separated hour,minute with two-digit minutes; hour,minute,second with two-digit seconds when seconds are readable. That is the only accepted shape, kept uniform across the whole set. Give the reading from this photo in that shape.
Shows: 12,58,02
